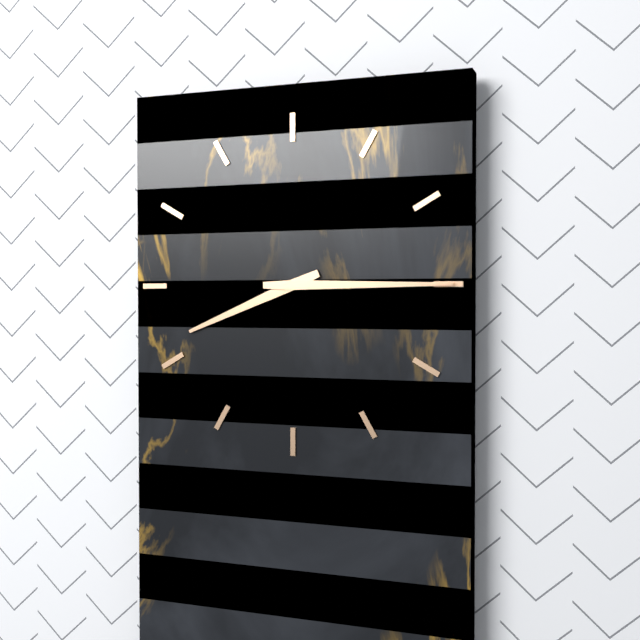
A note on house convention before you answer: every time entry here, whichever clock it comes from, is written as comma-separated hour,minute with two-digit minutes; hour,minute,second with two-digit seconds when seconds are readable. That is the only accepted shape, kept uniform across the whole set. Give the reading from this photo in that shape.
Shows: 8,15
